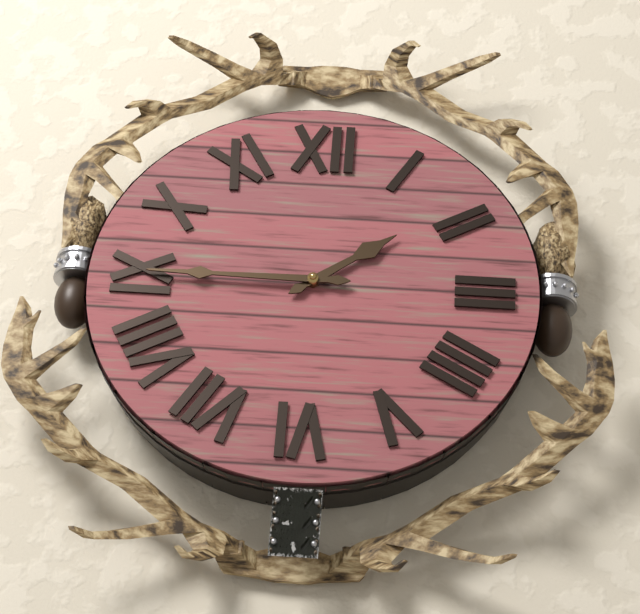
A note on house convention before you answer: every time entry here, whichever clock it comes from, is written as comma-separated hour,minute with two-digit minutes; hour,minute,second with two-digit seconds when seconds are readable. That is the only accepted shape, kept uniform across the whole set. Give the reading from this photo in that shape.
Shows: 1,45
